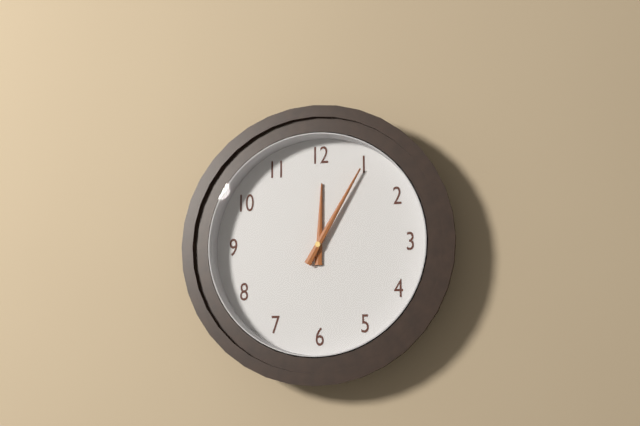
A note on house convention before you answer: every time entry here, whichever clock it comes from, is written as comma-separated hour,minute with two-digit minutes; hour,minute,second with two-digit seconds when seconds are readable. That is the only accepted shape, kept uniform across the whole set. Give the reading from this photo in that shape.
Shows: 12,05
